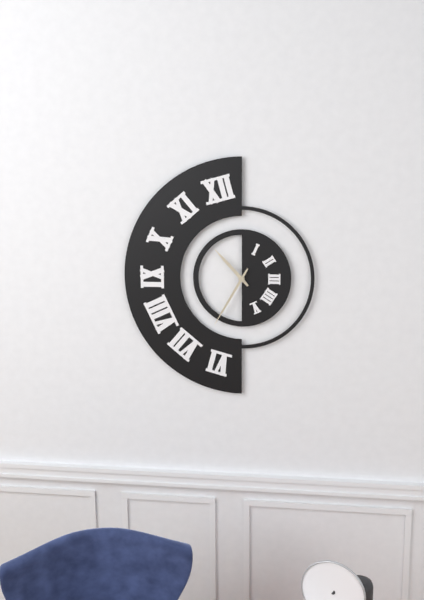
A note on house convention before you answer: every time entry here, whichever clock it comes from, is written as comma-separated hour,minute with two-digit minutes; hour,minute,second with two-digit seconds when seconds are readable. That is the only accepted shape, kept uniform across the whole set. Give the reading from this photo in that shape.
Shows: 10,35
